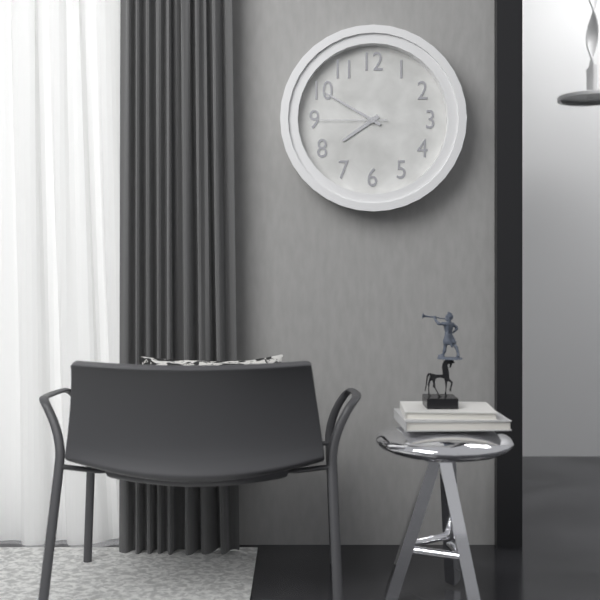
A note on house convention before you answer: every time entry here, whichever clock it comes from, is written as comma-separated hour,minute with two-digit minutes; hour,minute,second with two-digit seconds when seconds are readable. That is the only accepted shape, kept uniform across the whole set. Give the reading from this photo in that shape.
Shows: 7,50,45
